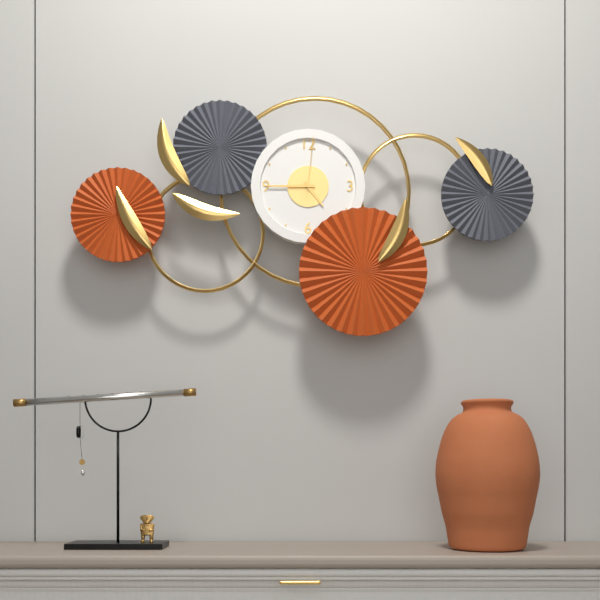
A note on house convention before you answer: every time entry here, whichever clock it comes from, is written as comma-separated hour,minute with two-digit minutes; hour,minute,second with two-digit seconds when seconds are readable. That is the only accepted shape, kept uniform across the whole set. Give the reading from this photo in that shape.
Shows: 4,45,01
